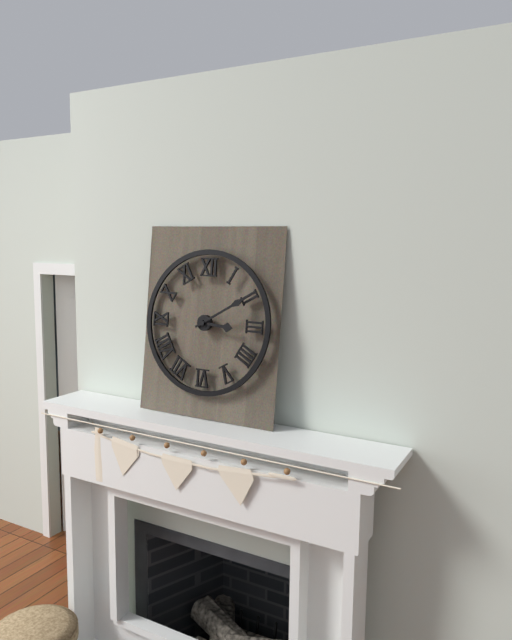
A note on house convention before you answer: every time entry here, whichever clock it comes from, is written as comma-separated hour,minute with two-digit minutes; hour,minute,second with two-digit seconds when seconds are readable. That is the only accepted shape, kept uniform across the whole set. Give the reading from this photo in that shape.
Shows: 3,10
